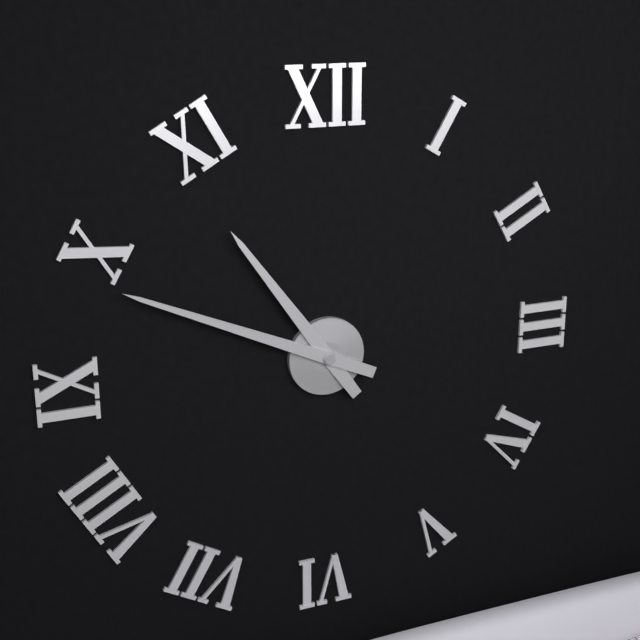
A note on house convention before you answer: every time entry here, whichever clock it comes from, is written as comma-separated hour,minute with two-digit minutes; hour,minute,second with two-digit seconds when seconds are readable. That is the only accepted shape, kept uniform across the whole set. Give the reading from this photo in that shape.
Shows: 10,49
